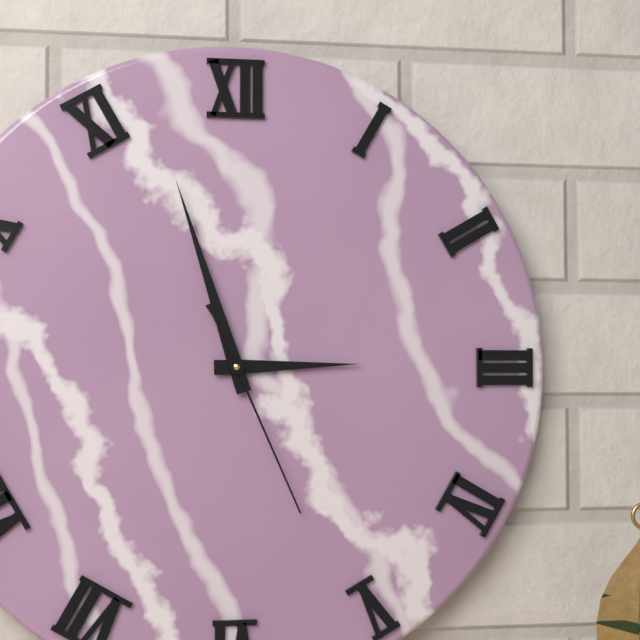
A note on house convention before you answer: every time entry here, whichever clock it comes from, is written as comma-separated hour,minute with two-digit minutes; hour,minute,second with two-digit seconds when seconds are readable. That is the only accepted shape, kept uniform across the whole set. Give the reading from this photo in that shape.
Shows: 2,57,26
